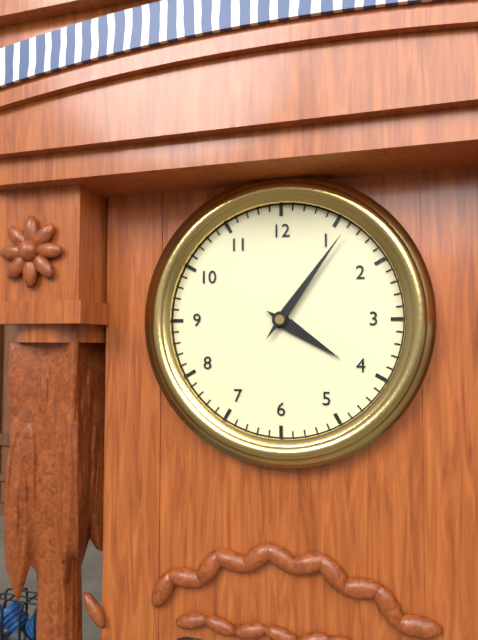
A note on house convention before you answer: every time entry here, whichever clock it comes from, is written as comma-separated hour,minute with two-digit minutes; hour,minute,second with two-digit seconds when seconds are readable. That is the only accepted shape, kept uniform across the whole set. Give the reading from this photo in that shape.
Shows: 4,06
